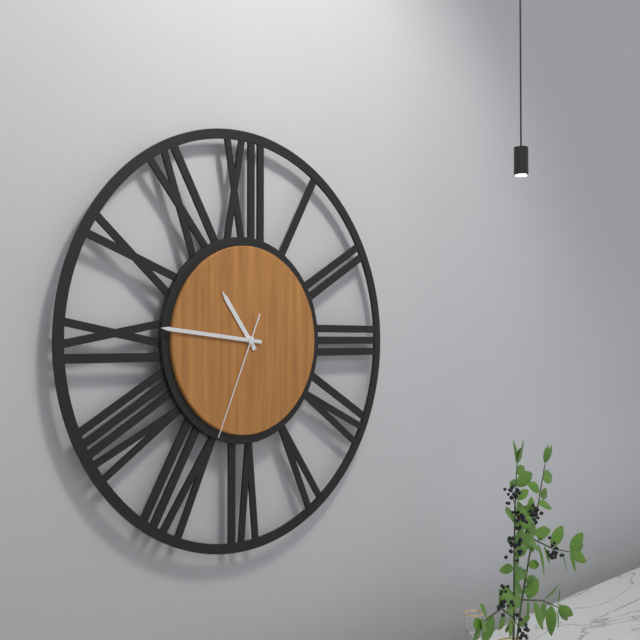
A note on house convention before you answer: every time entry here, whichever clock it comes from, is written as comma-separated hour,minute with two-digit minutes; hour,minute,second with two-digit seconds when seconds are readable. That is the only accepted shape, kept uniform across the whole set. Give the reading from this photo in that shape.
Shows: 10,46,34
